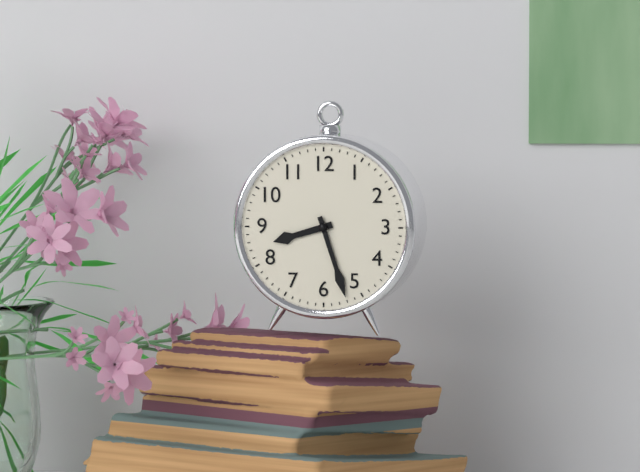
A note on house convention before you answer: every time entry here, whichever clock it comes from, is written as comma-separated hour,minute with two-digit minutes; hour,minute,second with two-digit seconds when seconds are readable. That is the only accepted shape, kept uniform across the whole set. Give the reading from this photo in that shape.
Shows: 8,27
